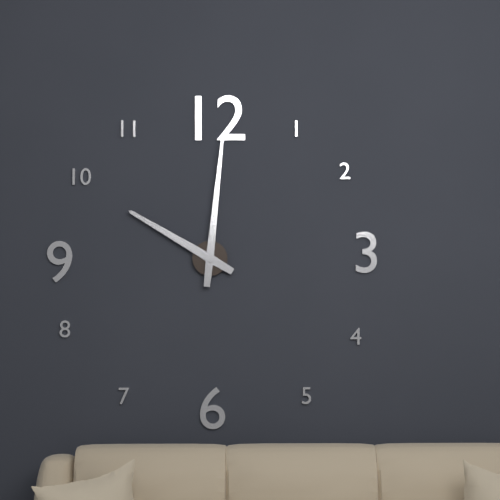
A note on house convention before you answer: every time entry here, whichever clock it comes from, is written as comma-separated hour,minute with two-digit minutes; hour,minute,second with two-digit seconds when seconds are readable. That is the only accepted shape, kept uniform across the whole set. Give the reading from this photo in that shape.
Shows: 10,01
